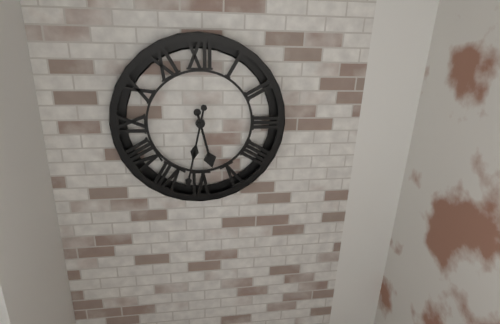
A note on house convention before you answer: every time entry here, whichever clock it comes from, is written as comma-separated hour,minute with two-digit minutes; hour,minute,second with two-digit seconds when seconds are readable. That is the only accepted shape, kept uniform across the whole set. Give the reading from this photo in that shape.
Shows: 5,32
